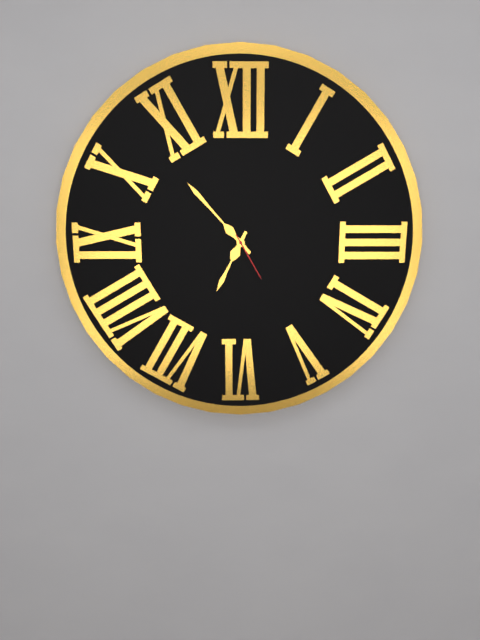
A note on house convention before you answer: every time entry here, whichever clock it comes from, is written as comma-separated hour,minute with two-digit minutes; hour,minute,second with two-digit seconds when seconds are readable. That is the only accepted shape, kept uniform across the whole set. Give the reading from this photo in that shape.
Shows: 6,53,25
